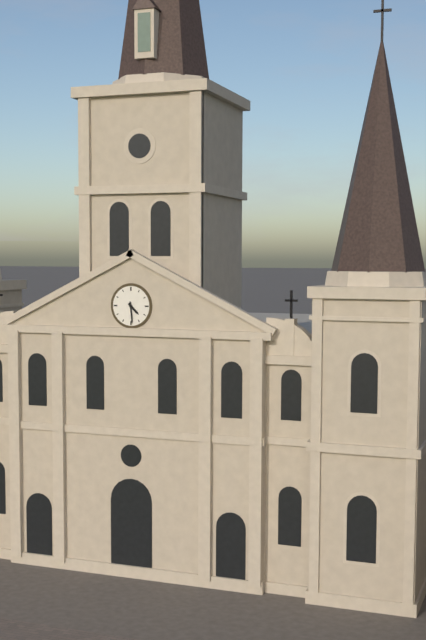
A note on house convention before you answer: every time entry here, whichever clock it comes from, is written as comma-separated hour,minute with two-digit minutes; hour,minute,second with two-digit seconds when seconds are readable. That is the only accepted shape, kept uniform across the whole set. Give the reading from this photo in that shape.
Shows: 4,29
